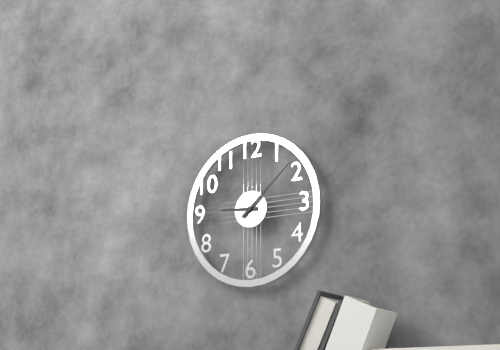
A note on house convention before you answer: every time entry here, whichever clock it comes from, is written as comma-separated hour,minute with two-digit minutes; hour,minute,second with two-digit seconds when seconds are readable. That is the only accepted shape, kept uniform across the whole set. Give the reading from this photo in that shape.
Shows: 9,08
